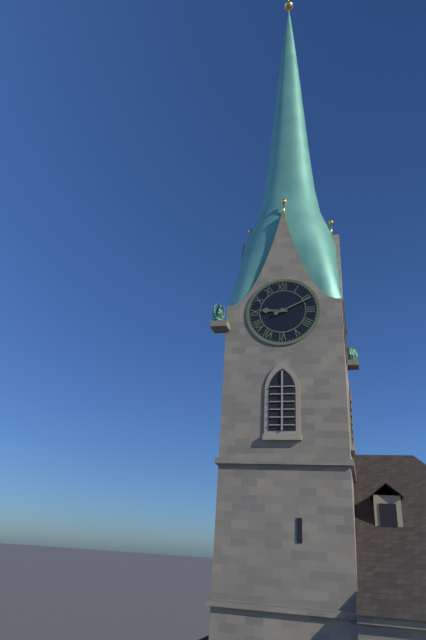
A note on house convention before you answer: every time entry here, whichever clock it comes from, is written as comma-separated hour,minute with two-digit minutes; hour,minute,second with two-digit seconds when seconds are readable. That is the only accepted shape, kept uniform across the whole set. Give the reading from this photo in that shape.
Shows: 9,11
